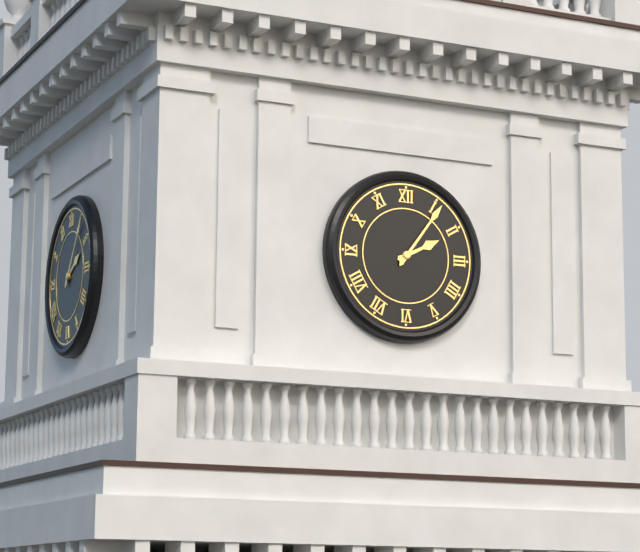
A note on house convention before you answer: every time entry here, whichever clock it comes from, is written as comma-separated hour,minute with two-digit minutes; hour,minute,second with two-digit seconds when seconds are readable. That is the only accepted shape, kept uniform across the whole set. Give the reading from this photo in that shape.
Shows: 2,06
